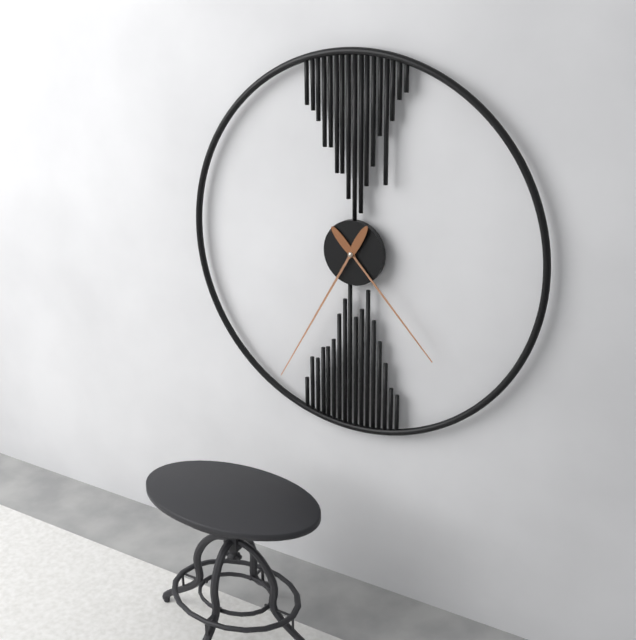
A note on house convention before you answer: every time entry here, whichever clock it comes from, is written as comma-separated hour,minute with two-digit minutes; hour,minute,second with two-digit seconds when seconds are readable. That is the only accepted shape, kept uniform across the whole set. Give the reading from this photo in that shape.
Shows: 4,35
